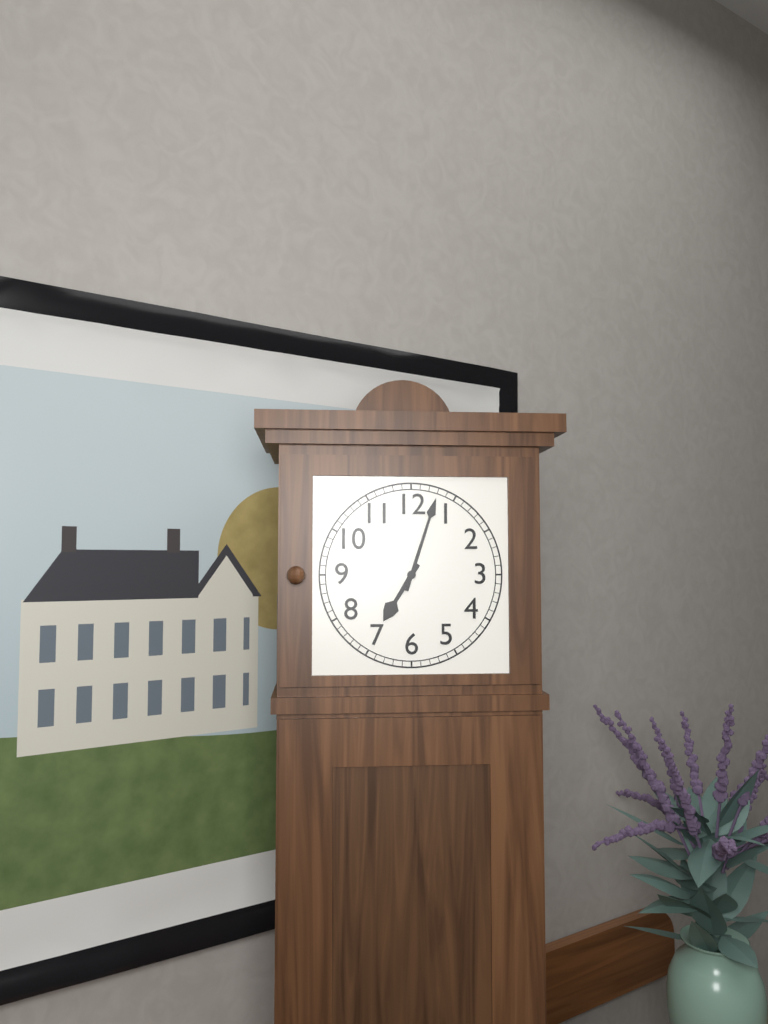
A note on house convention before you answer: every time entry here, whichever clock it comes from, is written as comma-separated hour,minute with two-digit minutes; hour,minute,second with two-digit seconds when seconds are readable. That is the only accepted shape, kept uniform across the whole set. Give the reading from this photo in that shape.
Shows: 7,03
